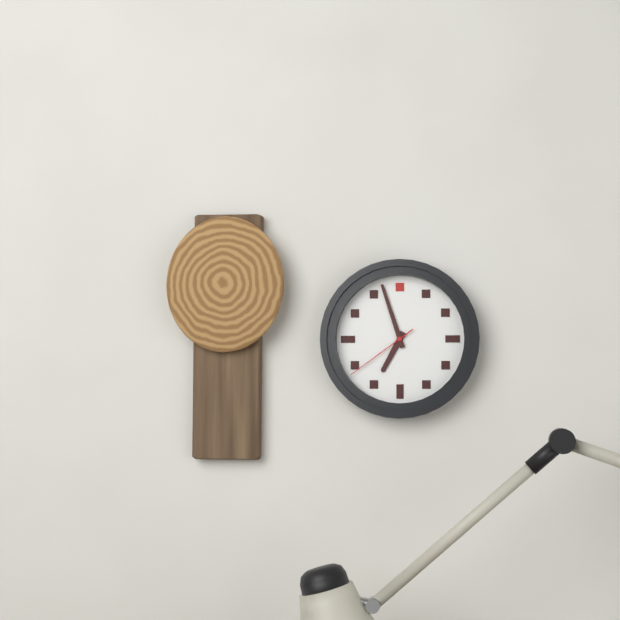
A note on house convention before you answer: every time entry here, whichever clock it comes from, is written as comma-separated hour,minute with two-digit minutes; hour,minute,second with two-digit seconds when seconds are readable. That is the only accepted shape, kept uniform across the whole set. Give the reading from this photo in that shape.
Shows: 6,57,39
